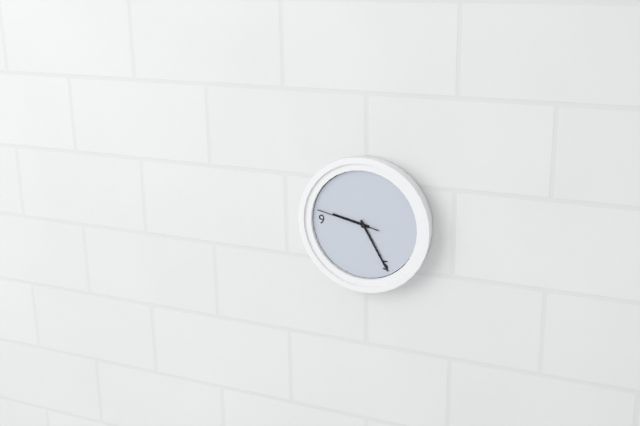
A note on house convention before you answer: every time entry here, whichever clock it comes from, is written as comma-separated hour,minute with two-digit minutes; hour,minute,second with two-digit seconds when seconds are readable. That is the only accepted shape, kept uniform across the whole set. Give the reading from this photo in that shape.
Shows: 9,25,47
